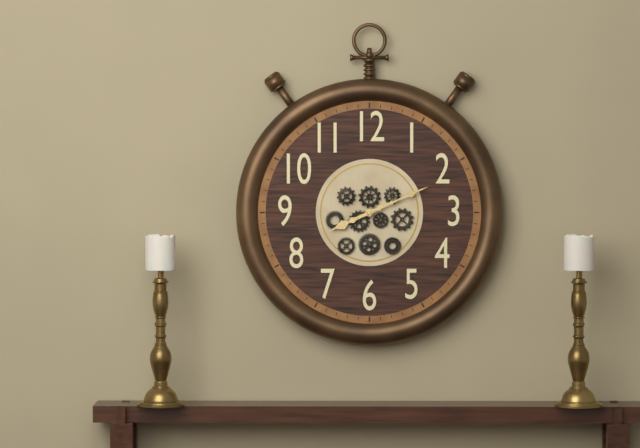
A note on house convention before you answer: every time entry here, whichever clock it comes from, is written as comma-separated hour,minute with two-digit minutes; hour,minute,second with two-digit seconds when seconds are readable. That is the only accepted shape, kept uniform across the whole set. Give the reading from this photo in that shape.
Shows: 8,11
